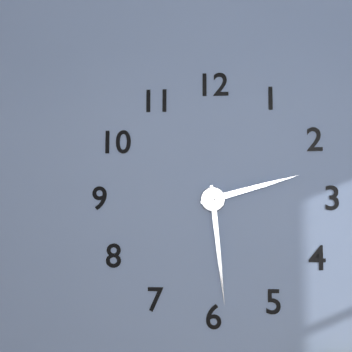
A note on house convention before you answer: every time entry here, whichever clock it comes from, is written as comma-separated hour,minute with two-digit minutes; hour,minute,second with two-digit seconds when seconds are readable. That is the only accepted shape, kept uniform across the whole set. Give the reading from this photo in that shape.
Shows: 2,29
